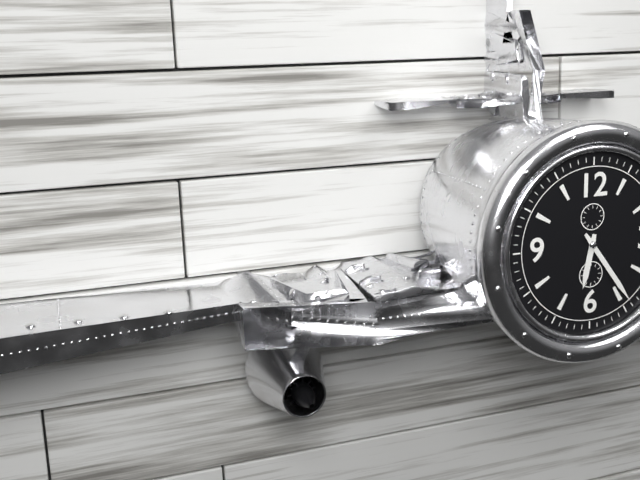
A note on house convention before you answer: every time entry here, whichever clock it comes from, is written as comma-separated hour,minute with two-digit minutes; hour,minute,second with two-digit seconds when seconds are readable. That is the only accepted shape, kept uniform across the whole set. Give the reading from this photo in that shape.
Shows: 6,24
